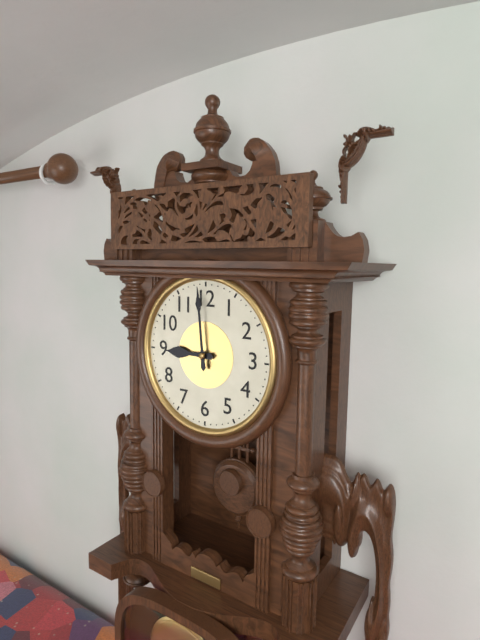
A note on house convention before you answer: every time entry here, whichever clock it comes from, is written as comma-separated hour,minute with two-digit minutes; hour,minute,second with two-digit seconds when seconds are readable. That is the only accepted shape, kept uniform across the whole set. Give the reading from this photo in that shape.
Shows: 8,59
